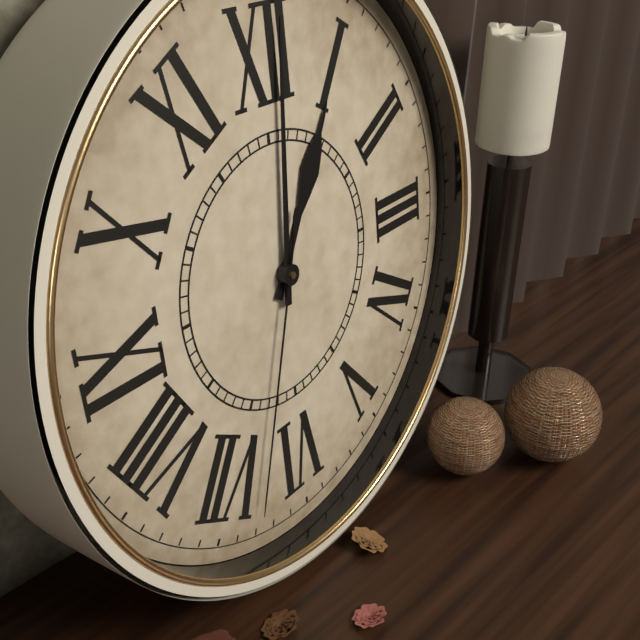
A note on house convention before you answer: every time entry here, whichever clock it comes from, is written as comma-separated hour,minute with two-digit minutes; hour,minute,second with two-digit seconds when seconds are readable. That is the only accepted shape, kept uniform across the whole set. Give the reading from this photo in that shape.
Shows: 1,01,33
